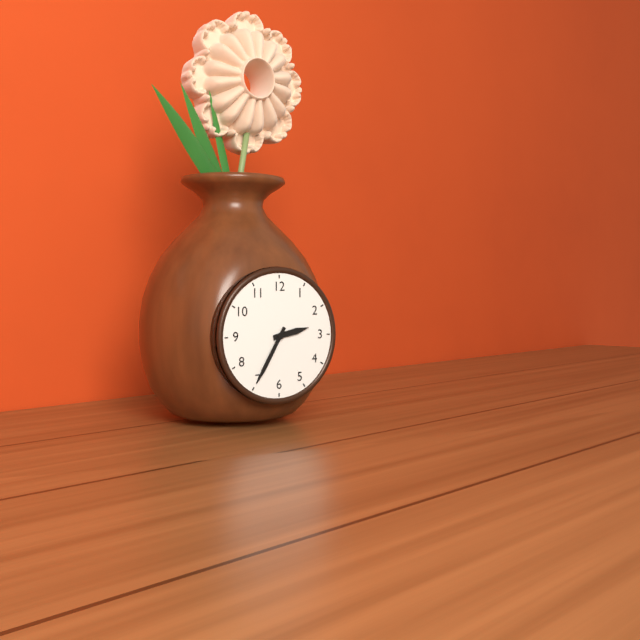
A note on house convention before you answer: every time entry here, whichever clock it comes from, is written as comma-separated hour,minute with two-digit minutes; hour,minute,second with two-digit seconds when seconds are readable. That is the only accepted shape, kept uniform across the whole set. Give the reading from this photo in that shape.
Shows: 2,35
